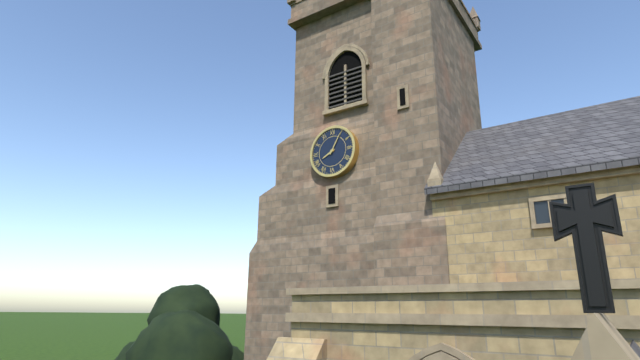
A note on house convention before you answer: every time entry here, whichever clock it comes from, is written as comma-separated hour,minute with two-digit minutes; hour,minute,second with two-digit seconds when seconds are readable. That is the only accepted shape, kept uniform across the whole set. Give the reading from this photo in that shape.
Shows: 8,05
